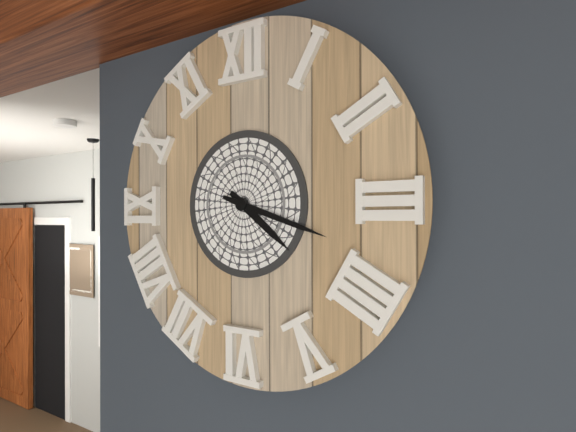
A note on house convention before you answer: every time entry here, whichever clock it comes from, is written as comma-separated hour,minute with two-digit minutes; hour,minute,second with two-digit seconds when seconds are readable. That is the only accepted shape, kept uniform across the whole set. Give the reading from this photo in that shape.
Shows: 4,18
